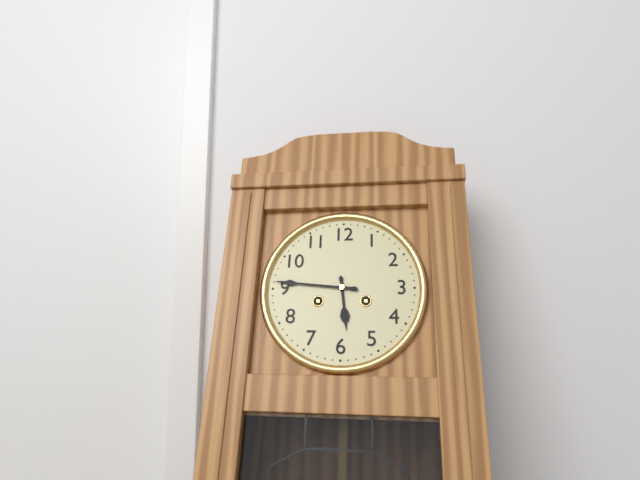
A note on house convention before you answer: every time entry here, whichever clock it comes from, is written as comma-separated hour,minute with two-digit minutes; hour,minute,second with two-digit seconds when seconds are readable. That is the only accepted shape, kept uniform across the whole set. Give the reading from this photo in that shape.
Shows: 5,46
